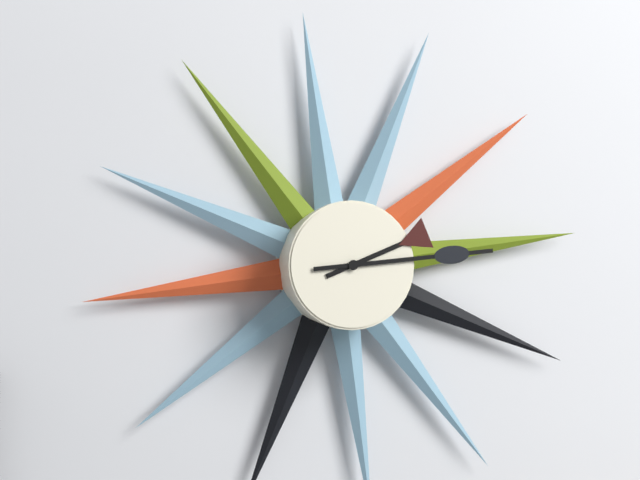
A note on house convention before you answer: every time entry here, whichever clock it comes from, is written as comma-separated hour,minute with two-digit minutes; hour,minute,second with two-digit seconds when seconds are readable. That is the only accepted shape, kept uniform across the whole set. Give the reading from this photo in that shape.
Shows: 2,14
